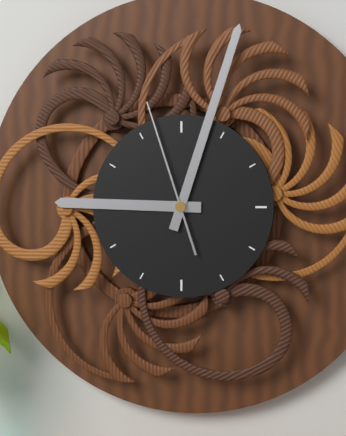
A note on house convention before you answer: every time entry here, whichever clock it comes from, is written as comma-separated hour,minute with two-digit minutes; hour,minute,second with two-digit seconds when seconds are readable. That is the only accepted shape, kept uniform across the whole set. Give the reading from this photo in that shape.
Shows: 9,03,57
